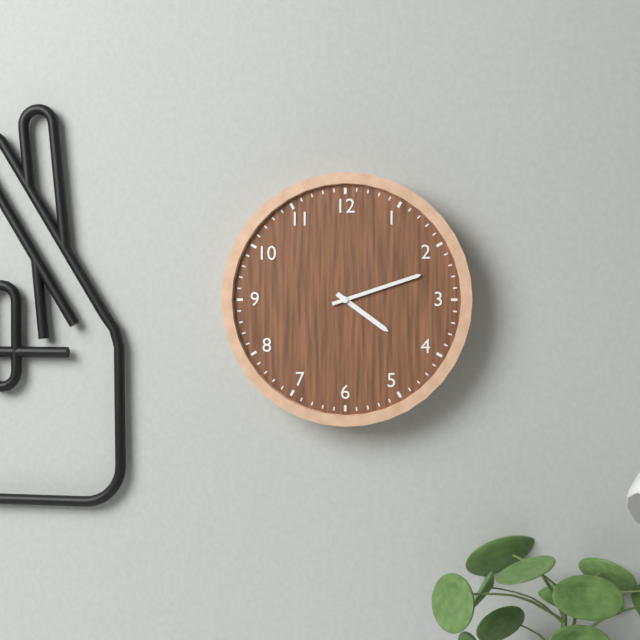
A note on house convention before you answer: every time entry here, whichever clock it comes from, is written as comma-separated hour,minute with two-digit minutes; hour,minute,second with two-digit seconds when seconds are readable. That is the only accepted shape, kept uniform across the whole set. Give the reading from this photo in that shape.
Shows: 4,12
